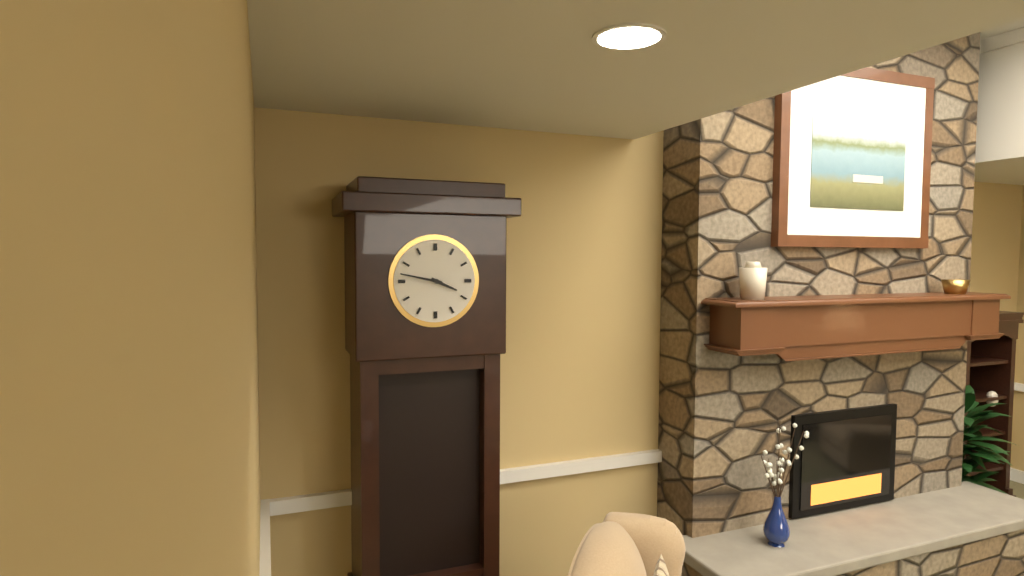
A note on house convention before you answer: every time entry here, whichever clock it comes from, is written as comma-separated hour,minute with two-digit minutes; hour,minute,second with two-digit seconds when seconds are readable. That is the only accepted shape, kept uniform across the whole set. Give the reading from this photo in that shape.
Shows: 3,47
